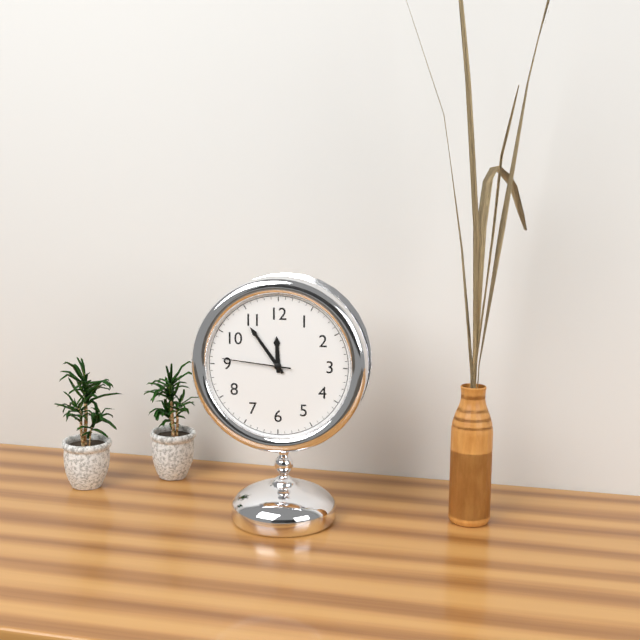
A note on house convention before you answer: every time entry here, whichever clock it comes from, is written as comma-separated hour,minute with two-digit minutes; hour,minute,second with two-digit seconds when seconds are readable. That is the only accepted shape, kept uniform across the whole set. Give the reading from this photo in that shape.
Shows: 11,54,46
